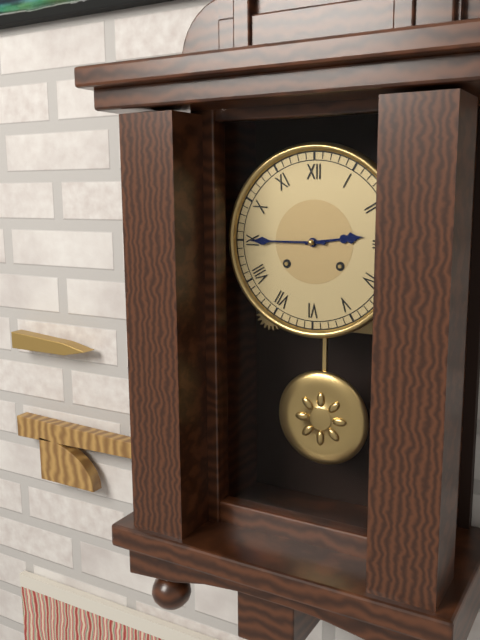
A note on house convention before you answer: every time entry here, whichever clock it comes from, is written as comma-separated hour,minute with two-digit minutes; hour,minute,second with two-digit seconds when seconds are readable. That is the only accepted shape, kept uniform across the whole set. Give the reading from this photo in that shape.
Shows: 2,45
